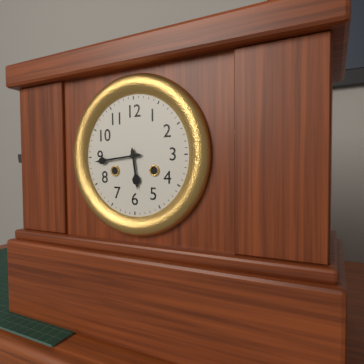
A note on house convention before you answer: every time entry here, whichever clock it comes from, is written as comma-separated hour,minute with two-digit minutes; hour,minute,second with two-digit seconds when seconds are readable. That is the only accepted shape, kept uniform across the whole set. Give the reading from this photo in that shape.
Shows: 5,44
